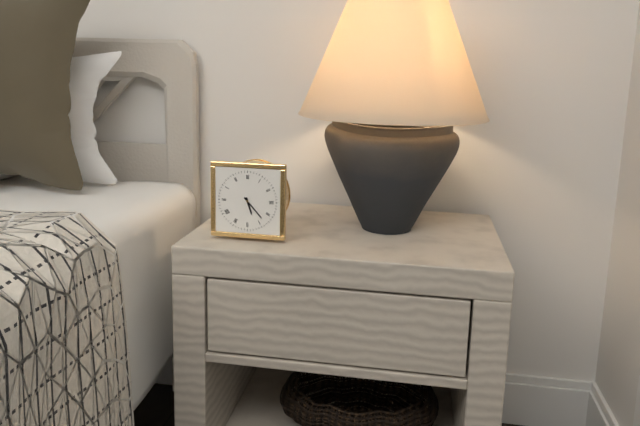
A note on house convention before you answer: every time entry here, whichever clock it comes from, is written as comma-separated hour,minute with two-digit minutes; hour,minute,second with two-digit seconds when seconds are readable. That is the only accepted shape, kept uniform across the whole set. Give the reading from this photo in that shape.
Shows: 5,23
